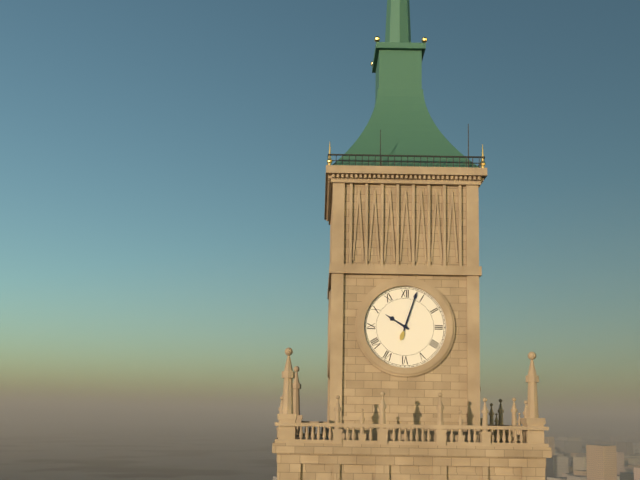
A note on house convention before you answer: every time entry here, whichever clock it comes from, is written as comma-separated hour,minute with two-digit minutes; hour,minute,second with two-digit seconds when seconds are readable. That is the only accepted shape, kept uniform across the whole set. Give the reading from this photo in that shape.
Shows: 10,03
